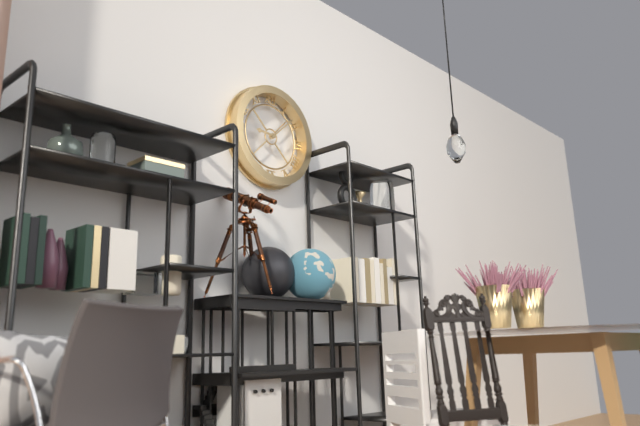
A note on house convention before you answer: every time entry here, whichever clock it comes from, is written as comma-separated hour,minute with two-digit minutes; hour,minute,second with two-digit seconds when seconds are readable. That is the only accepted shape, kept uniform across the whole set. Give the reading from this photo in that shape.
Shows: 9,08
